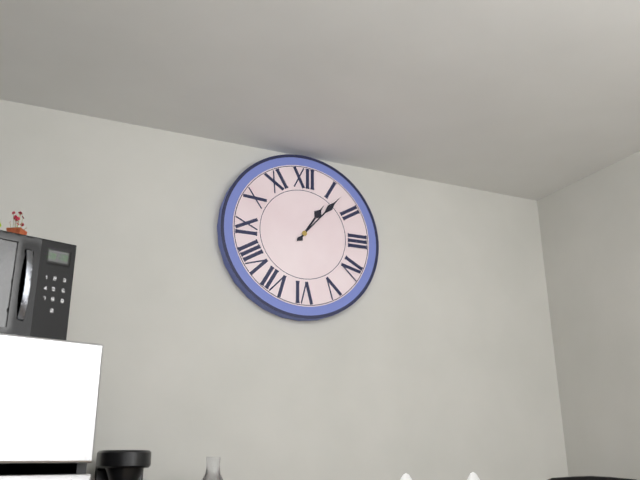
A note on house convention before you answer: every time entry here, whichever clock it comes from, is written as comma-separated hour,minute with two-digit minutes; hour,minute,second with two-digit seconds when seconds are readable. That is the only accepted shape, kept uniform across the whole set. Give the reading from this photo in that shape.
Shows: 1,07
